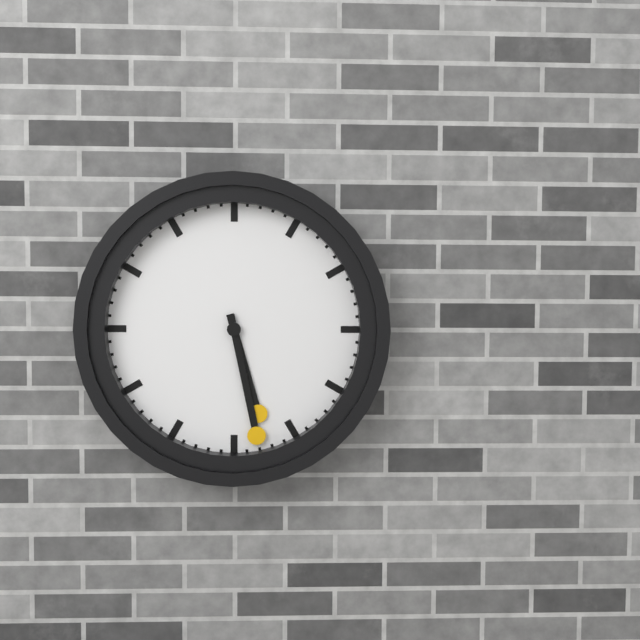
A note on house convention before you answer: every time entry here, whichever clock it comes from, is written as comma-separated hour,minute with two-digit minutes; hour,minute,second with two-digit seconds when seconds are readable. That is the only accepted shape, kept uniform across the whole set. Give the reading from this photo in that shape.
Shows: 5,28
